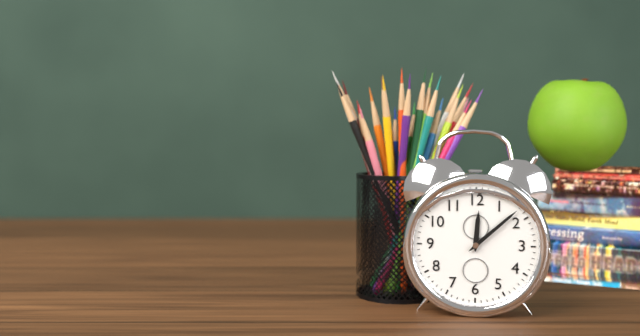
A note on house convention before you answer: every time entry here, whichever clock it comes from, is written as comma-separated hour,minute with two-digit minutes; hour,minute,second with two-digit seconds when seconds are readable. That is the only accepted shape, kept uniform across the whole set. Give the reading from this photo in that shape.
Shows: 12,08
